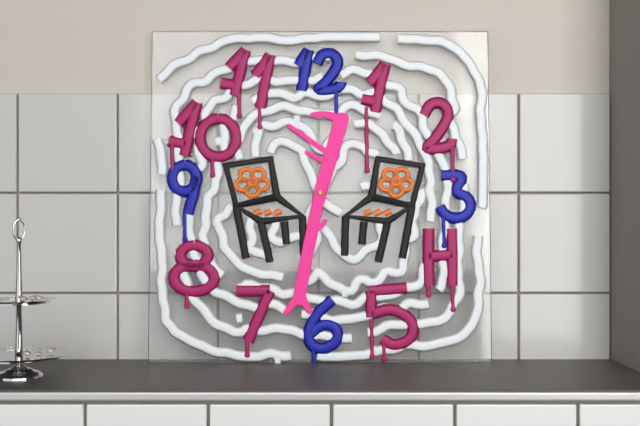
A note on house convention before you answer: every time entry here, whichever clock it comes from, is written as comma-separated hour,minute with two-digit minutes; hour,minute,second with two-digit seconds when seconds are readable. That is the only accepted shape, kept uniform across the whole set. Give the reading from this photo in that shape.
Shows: 12,32
